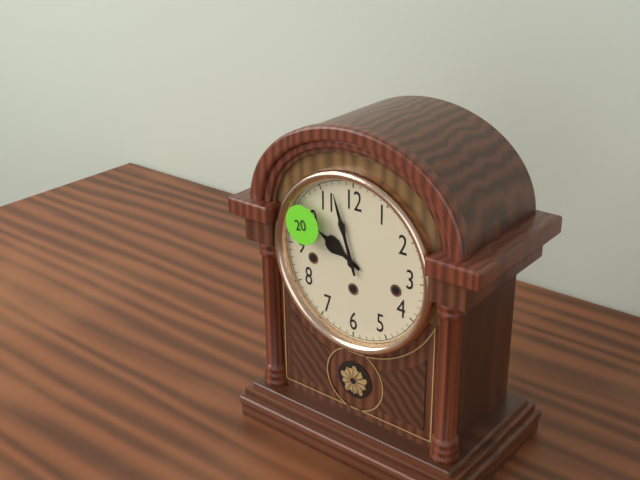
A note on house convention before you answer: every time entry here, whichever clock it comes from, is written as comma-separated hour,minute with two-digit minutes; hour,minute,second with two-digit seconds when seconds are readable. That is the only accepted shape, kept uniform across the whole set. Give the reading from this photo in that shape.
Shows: 9,57
